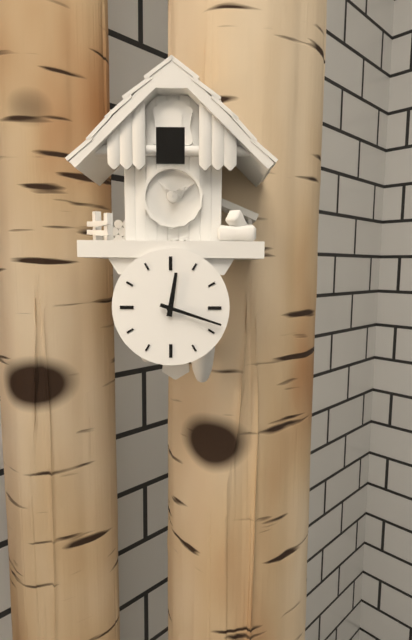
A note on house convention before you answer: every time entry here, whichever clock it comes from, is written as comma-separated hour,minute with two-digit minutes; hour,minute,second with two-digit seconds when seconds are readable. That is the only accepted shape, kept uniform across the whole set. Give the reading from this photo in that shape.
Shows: 12,18
